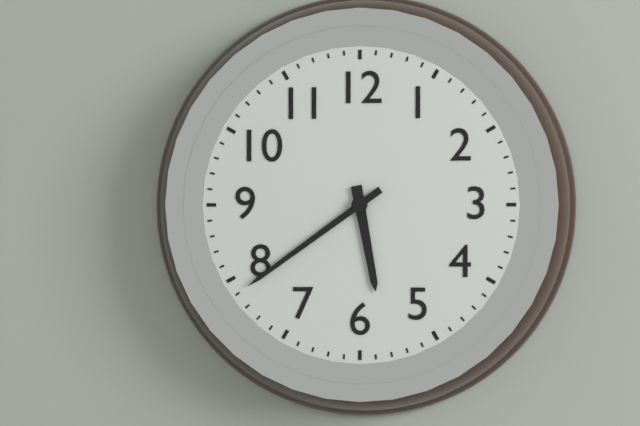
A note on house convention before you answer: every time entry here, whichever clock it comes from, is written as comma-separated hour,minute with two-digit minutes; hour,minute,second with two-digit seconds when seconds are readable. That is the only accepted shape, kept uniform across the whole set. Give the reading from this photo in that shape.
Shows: 5,39
